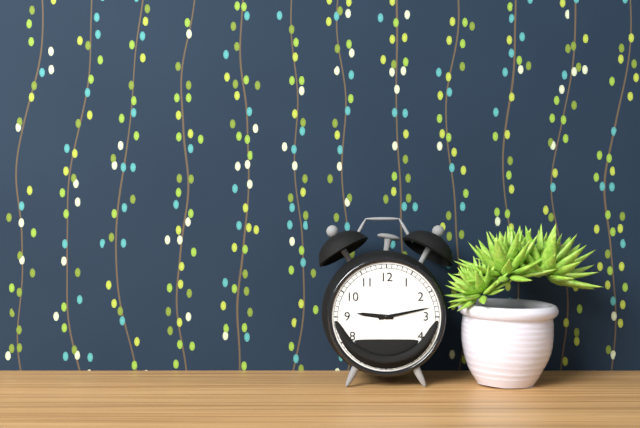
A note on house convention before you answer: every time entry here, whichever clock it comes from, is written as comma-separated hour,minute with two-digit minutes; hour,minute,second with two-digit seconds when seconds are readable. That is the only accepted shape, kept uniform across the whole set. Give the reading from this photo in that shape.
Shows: 9,13
